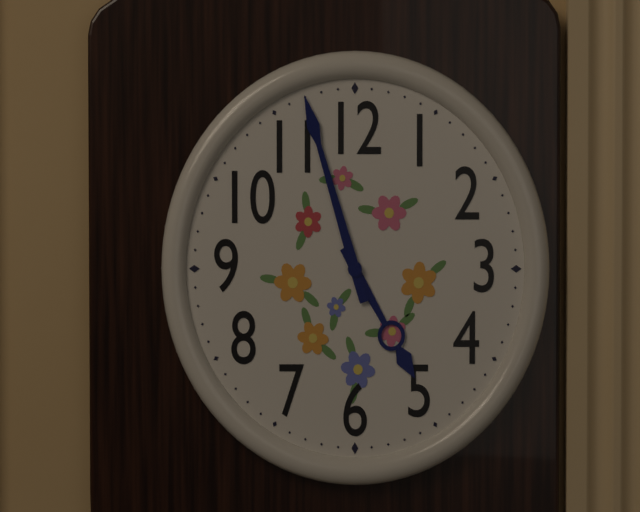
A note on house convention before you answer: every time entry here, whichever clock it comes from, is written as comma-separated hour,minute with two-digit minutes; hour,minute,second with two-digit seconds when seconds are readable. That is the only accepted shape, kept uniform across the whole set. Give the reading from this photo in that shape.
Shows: 4,57
